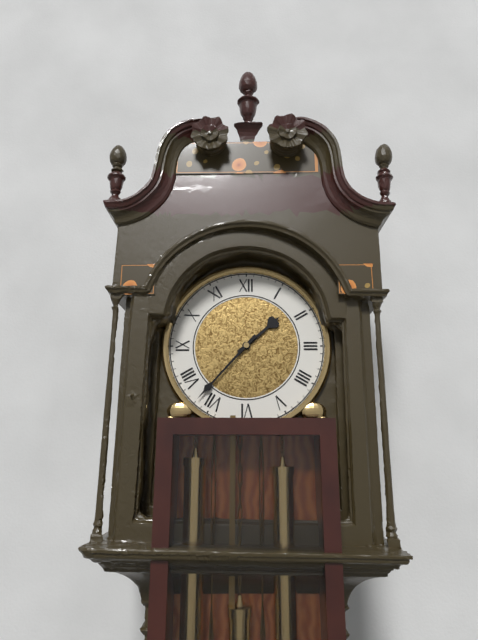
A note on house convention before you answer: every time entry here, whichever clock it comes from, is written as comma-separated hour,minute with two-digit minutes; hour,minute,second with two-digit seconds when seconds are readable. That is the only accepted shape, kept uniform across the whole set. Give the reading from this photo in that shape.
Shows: 1,37
